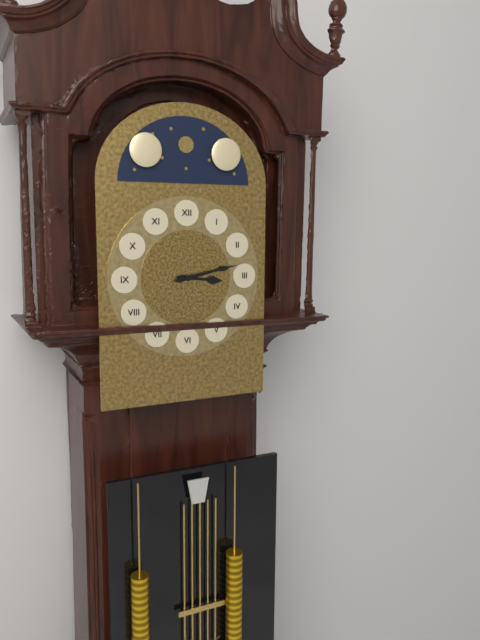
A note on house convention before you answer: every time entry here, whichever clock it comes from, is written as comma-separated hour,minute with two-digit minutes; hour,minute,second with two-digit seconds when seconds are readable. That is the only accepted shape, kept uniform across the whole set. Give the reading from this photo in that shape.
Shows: 3,13
